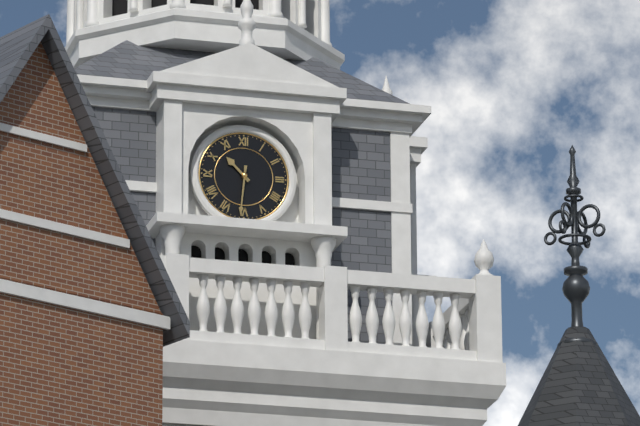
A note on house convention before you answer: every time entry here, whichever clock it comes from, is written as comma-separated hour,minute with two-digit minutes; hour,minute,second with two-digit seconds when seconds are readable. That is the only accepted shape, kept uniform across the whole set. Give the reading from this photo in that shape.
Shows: 10,31
